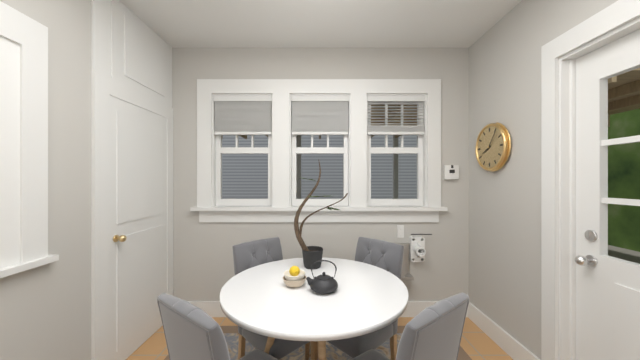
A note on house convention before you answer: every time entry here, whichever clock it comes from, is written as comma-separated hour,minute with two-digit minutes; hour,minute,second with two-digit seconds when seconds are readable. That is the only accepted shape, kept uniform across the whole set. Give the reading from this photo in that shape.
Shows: 8,06
